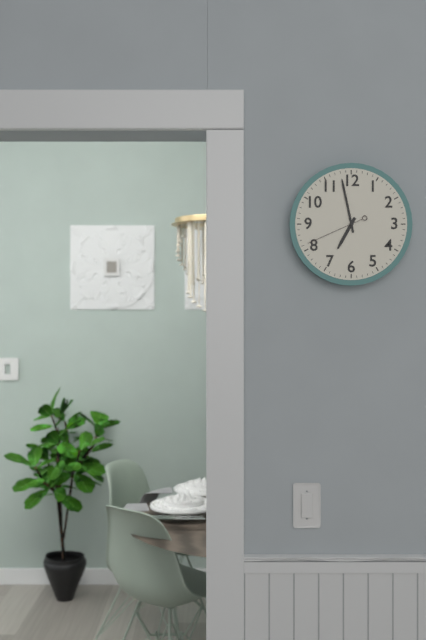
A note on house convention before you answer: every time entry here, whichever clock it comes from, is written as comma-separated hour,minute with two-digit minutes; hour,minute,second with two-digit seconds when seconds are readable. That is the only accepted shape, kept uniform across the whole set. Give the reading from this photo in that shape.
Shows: 6,58,41
